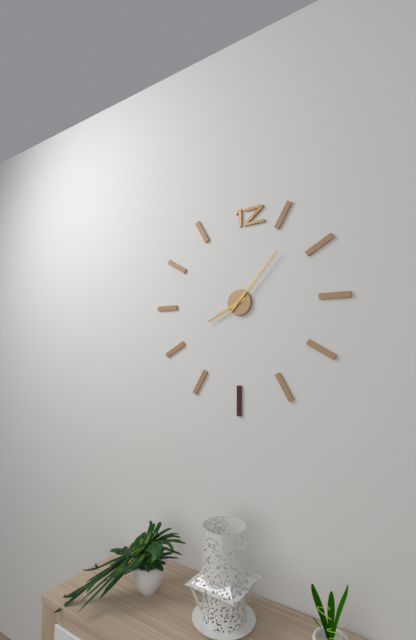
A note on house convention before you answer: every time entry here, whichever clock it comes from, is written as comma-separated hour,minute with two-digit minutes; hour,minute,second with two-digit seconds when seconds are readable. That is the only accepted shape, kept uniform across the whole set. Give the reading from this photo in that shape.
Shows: 8,07
